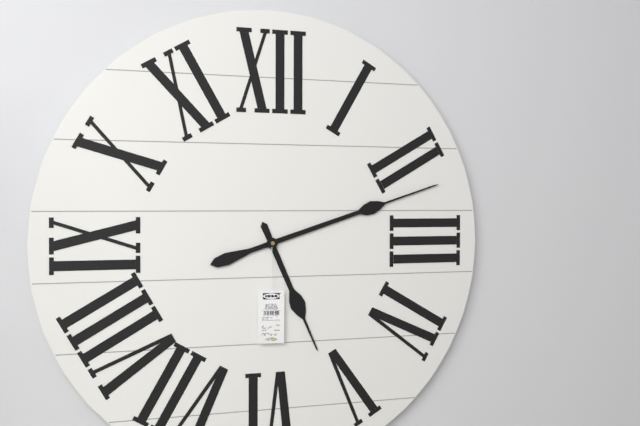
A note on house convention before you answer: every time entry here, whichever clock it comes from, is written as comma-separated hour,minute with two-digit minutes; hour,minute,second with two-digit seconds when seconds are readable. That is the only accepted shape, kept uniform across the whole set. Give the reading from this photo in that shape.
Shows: 5,12
